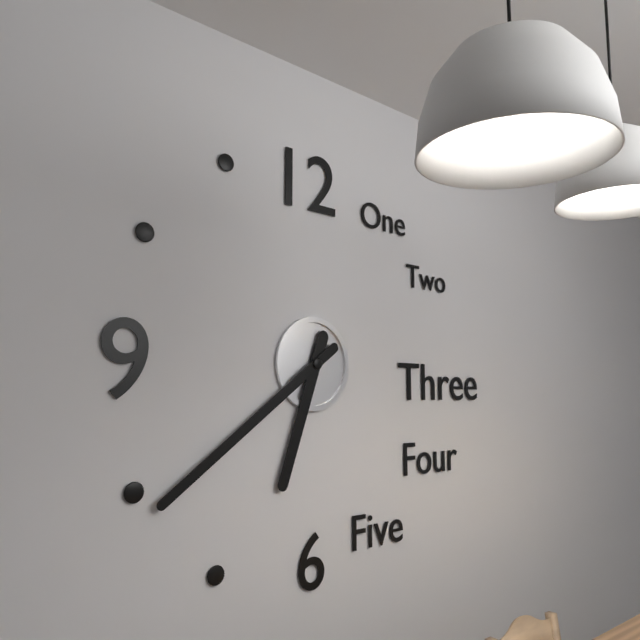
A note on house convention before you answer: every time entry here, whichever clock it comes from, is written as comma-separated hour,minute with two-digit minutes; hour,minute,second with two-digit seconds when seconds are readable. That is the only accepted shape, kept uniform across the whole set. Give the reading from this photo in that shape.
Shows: 6,39
